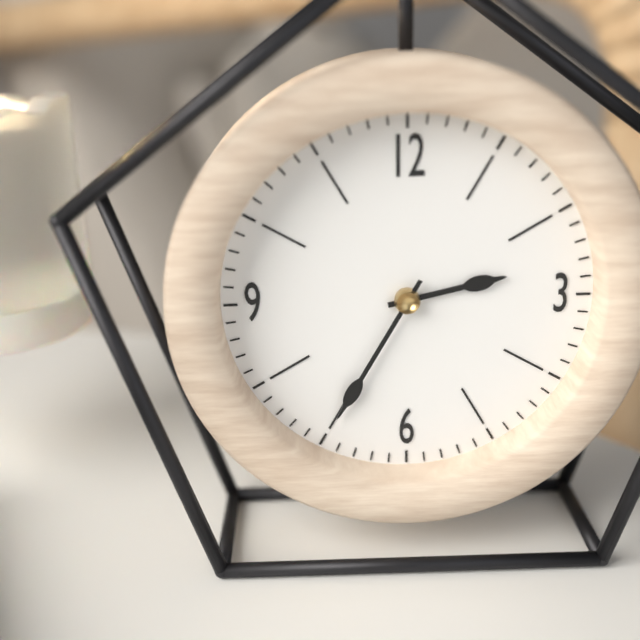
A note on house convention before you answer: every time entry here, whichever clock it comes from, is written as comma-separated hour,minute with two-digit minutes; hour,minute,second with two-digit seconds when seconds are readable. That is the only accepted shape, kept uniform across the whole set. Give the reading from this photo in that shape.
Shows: 2,35
